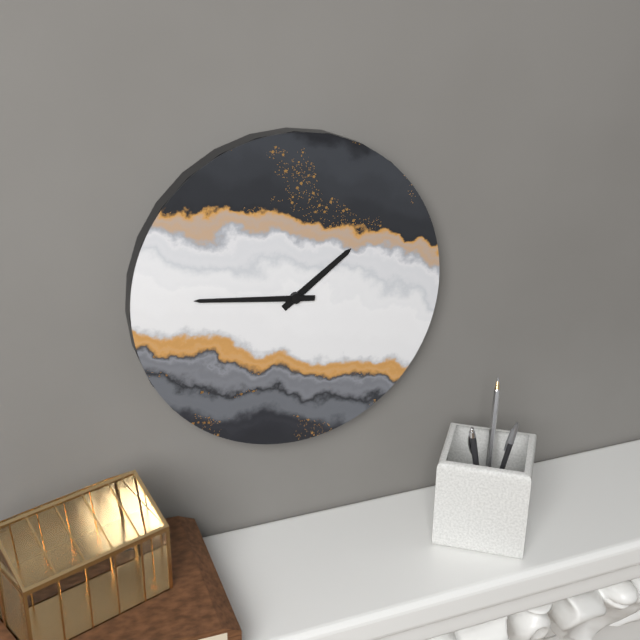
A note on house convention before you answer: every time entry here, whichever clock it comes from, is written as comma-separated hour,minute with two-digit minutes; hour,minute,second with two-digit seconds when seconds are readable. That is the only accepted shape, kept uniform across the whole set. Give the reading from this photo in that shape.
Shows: 1,46
